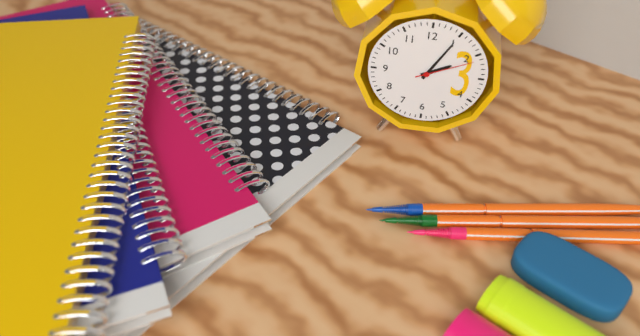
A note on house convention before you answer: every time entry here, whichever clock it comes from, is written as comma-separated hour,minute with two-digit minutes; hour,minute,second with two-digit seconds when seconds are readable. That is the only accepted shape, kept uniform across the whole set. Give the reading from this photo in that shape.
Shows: 2,05,11
